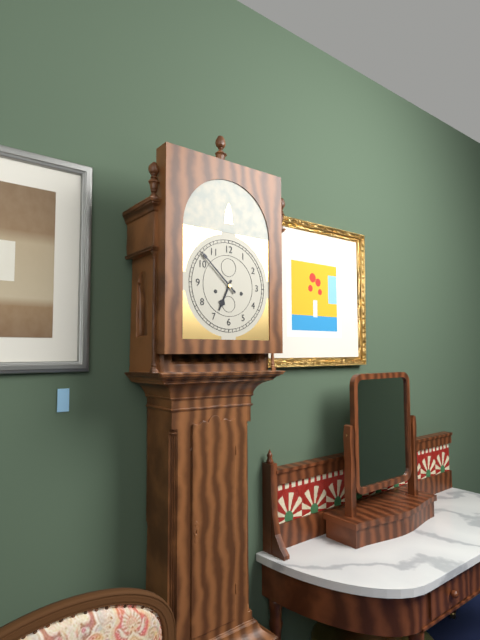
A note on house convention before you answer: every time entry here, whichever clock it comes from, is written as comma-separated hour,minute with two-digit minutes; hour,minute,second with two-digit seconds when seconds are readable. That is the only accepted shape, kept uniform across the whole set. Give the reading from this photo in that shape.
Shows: 6,52
